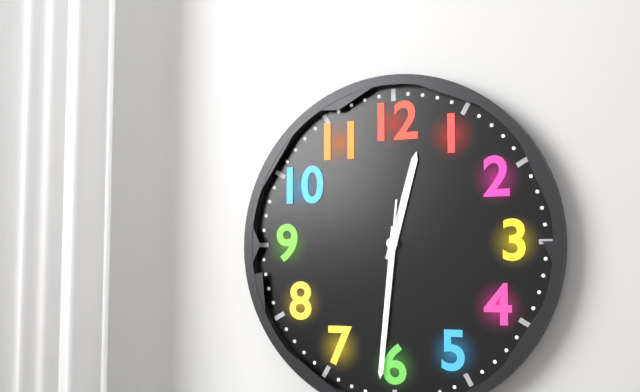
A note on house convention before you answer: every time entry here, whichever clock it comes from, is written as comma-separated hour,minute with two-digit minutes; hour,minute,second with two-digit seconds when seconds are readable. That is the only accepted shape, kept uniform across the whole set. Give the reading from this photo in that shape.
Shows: 12,31,31
